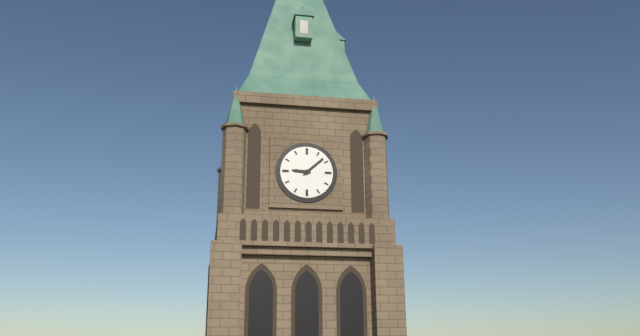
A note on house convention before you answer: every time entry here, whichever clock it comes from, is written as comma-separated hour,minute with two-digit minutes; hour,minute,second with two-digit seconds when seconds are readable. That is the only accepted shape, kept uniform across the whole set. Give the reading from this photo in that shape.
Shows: 9,08
